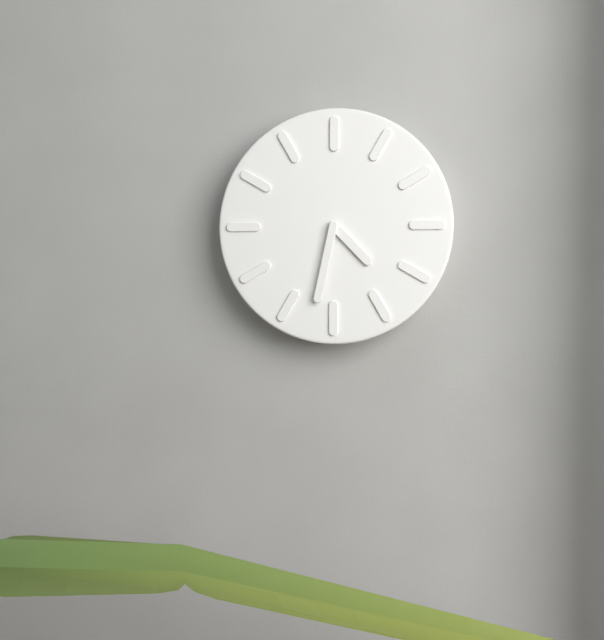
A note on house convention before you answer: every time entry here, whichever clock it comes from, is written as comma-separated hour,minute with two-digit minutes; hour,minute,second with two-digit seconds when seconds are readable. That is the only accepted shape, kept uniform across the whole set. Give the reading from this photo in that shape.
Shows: 4,32
